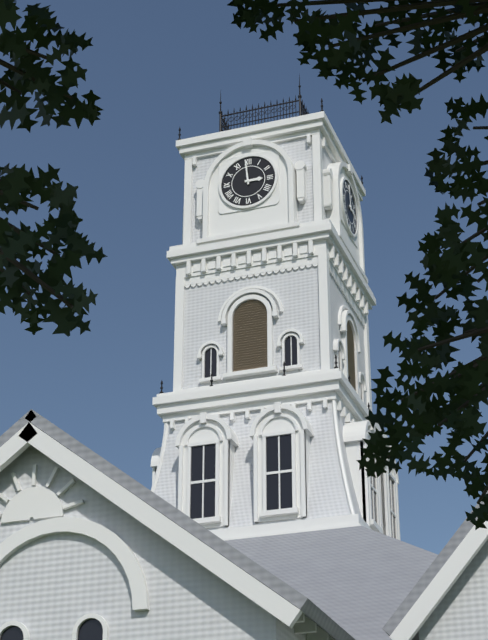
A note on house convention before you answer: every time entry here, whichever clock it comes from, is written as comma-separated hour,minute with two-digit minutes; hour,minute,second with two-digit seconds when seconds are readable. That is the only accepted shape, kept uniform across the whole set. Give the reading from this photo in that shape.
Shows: 2,59
